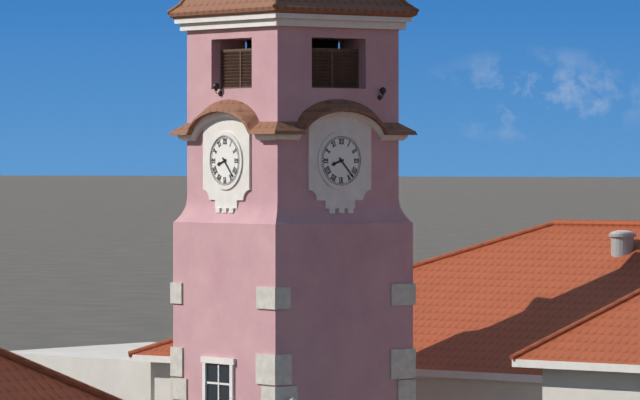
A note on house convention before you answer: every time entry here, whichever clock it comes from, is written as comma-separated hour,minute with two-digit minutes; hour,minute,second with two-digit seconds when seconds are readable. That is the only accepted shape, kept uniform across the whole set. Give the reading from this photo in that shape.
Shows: 8,23
